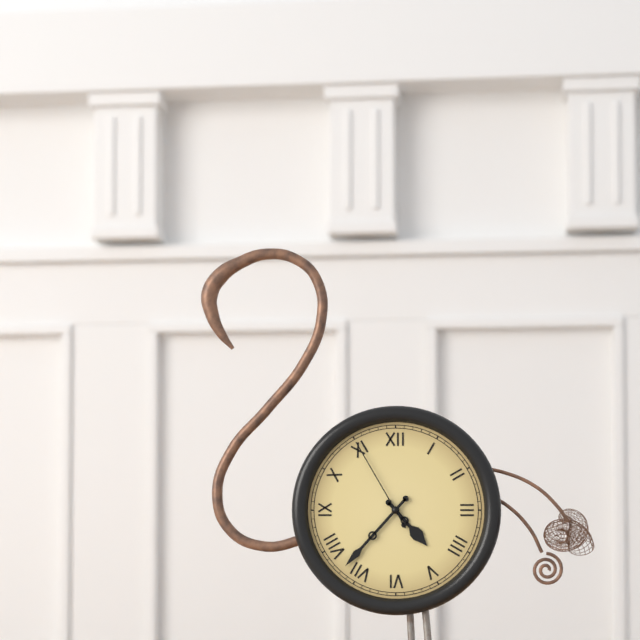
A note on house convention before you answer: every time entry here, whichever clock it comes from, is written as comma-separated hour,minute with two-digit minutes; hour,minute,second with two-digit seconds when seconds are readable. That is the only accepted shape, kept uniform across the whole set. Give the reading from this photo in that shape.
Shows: 4,37,55
